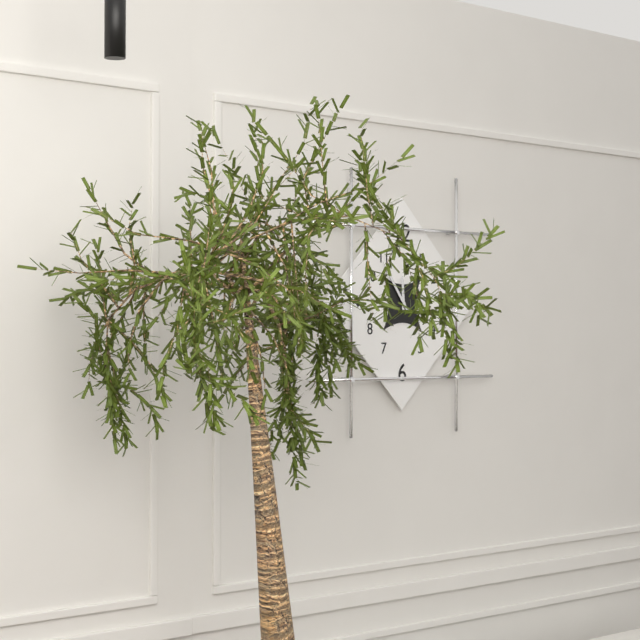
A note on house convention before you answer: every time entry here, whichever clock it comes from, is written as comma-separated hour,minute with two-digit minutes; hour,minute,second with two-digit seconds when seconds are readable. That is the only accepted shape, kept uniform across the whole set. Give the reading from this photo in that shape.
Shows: 11,54
